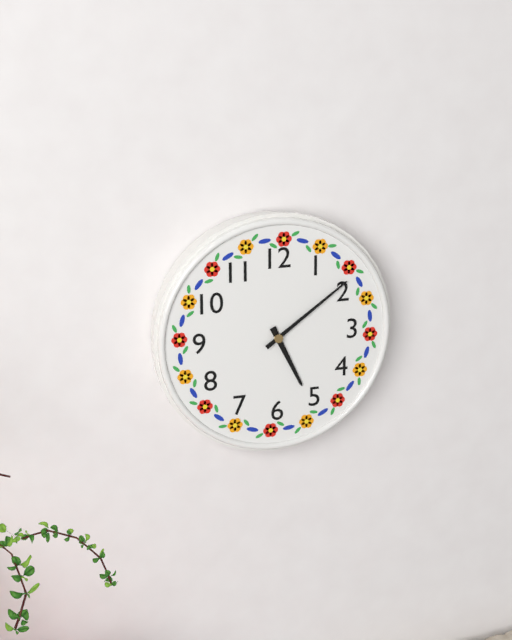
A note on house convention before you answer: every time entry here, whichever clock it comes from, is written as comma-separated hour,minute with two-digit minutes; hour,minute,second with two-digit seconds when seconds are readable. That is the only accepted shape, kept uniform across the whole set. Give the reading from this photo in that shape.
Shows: 5,09
